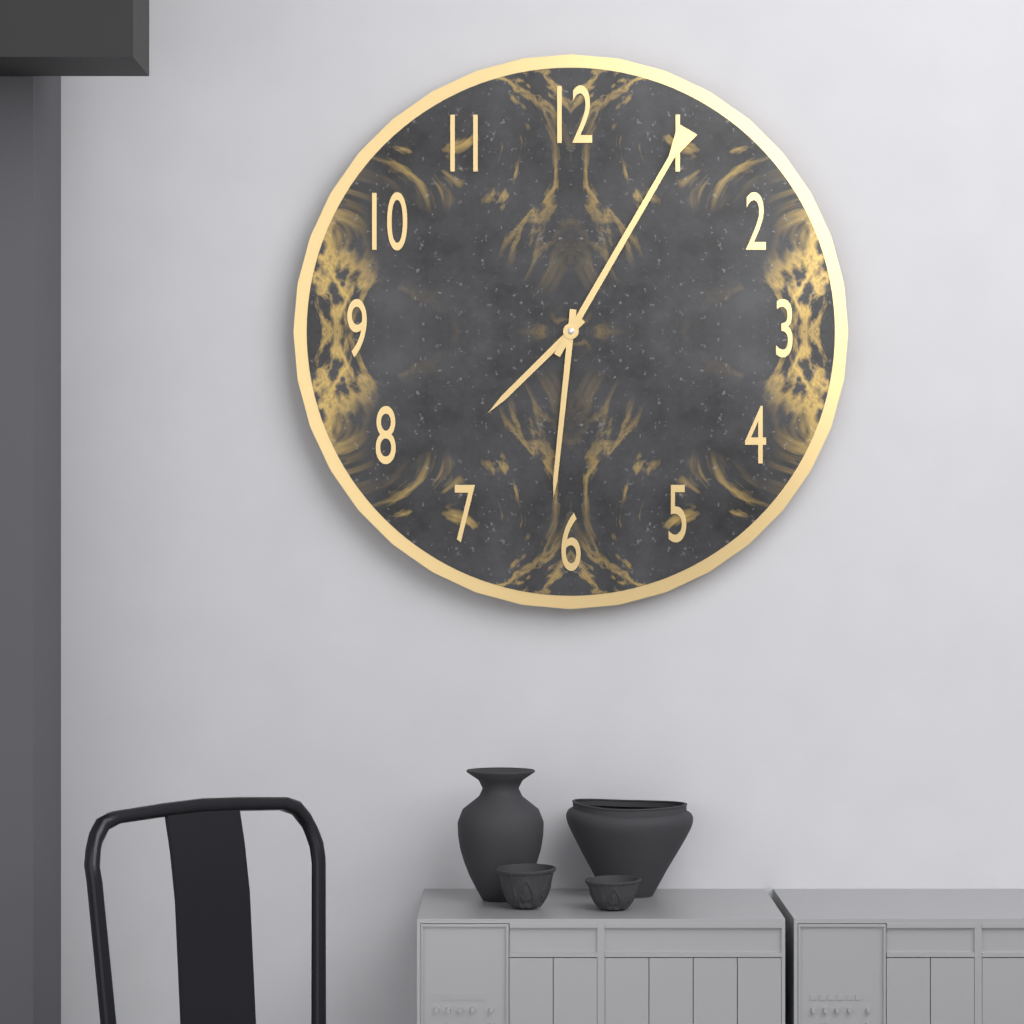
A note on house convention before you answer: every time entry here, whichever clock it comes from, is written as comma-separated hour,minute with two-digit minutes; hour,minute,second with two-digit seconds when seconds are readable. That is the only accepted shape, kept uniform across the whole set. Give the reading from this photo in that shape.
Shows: 7,31,05
